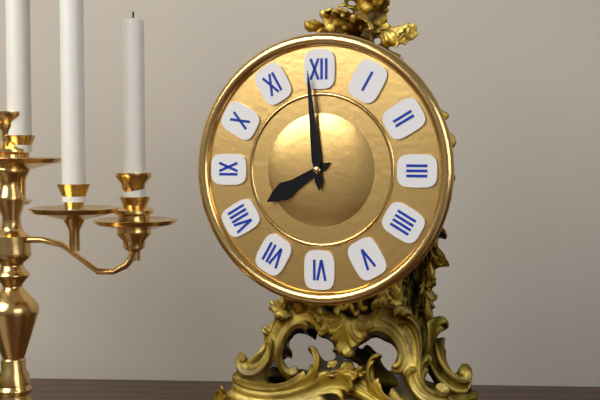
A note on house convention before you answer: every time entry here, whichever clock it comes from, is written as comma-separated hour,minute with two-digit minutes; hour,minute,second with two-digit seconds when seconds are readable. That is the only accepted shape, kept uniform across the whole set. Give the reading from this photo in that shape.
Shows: 7,59
